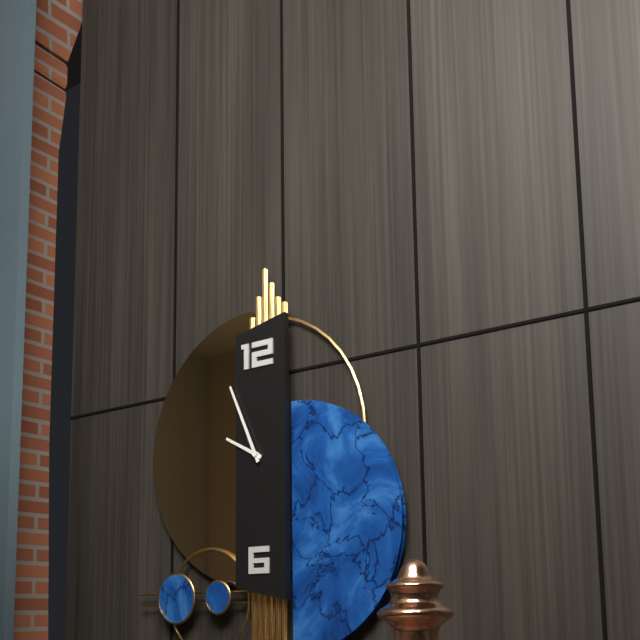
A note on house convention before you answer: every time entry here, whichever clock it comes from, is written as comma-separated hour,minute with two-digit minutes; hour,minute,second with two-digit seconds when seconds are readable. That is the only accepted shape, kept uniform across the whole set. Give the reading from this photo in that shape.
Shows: 9,56
